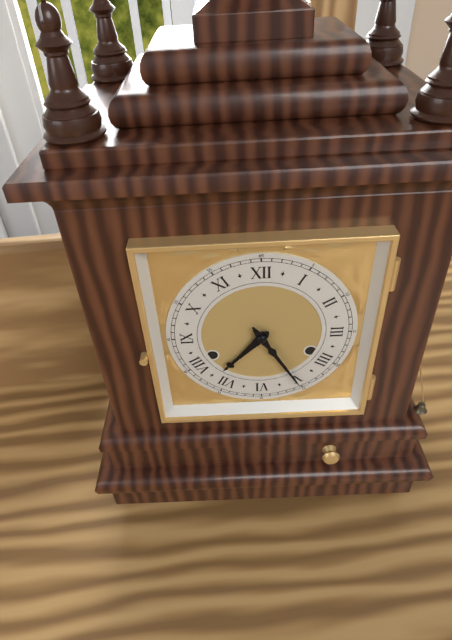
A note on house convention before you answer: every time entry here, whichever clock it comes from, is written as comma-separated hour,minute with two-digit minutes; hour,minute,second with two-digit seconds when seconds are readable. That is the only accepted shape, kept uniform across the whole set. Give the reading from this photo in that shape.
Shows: 7,25
